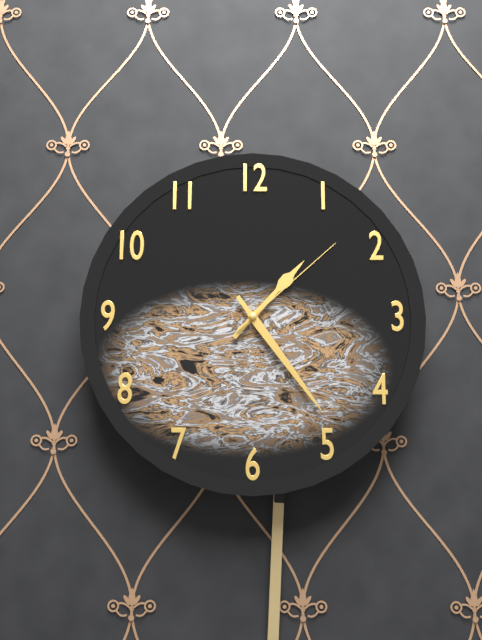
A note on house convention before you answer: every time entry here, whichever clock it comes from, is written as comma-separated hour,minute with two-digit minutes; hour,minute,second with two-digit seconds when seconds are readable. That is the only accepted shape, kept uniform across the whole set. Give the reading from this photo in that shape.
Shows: 1,24,08
